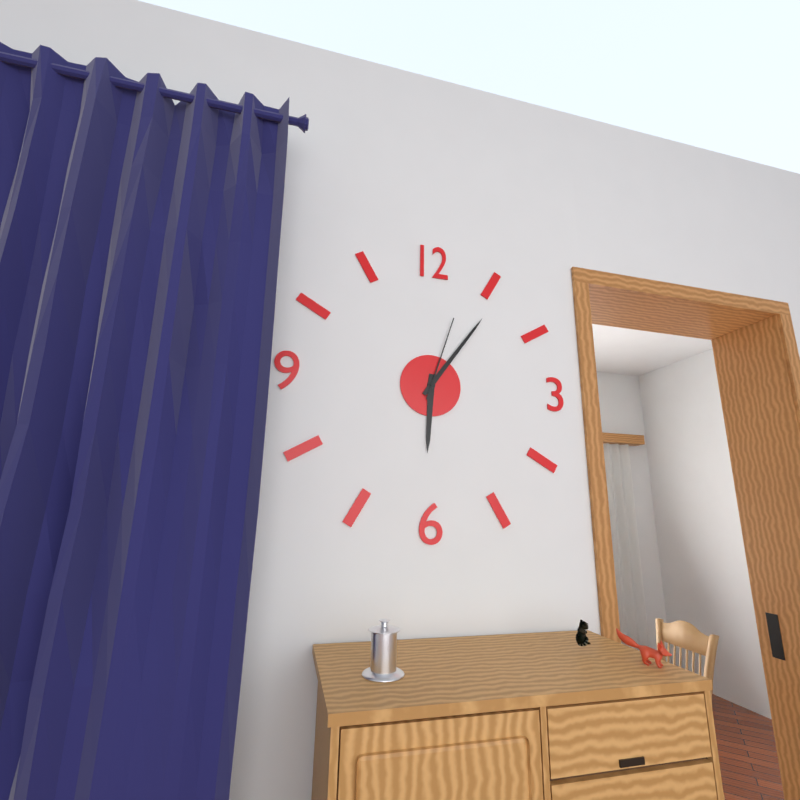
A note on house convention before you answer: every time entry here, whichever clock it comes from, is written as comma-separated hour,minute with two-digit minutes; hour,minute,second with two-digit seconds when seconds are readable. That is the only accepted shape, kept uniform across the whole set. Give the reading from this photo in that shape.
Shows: 6,06,03
